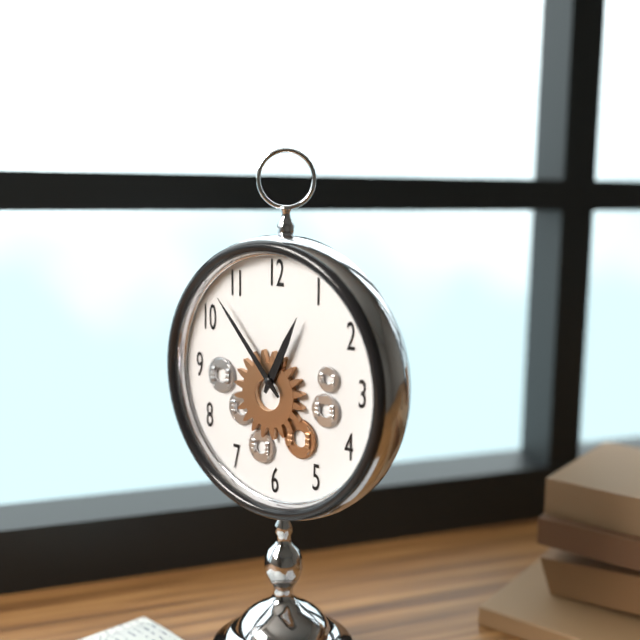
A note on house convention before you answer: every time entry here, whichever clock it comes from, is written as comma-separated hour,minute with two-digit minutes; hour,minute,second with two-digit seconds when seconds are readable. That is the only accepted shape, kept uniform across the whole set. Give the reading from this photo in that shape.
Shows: 12,53
